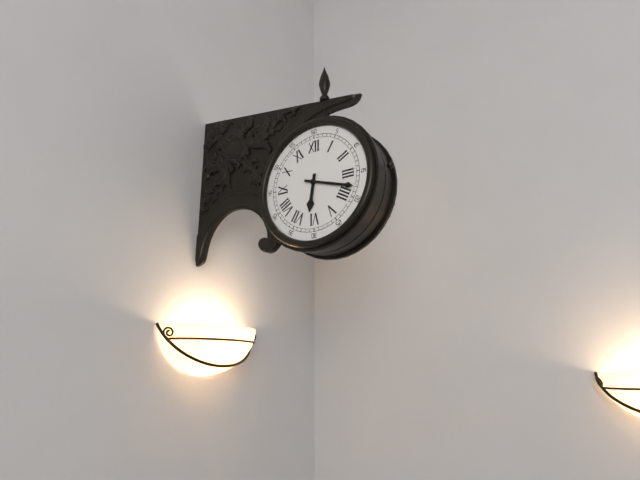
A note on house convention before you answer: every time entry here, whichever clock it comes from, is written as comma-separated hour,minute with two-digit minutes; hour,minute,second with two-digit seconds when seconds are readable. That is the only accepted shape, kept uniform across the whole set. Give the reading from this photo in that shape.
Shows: 6,18
